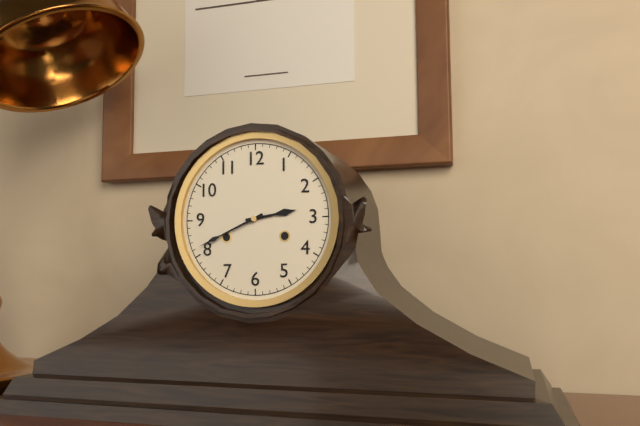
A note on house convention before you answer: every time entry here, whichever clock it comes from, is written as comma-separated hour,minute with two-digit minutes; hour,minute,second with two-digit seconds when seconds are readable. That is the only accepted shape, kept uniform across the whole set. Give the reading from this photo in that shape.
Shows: 2,41
